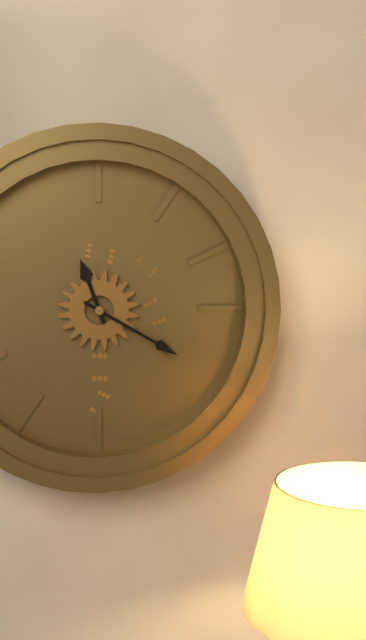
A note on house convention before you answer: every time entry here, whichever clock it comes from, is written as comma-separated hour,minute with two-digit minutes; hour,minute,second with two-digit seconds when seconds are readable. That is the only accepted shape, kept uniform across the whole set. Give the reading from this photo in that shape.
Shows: 11,20
